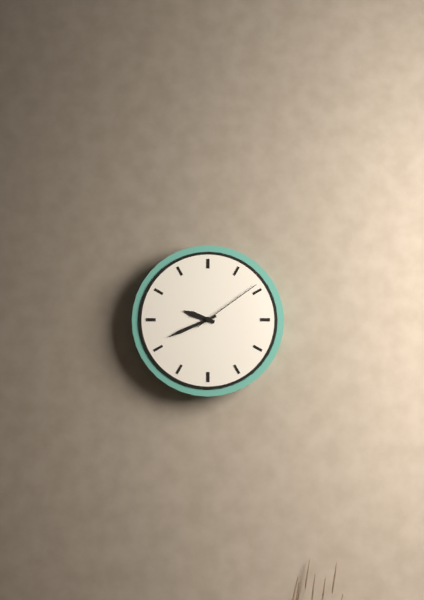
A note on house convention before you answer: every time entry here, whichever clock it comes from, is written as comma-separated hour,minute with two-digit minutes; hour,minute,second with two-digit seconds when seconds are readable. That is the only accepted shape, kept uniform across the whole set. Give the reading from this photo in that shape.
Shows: 9,41,09
